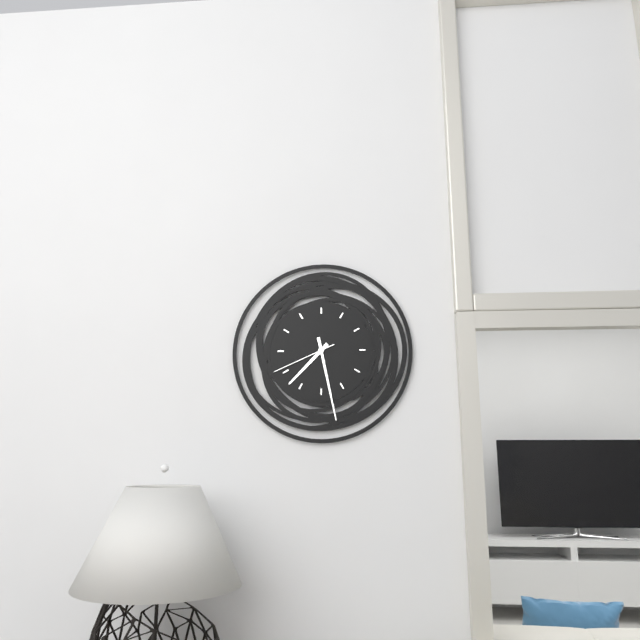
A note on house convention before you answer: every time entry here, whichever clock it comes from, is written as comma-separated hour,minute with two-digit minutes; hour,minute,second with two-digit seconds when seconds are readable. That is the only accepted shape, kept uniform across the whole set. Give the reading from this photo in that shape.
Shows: 7,28,41
